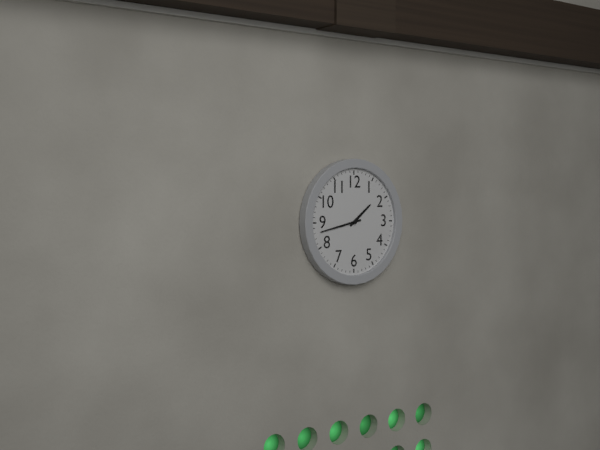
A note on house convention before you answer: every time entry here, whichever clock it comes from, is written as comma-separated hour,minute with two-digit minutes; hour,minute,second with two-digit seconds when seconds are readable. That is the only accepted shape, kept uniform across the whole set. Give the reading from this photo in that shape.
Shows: 1,43
